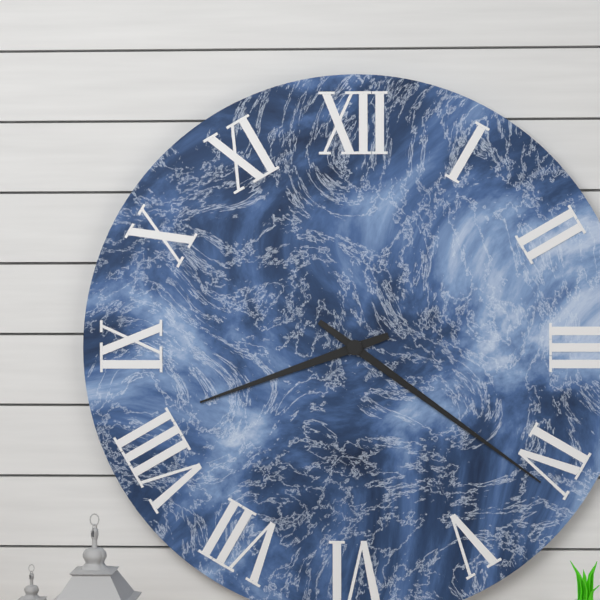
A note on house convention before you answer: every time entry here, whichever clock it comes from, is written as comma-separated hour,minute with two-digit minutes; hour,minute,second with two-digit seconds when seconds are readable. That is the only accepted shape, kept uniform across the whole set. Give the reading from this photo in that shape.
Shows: 8,21
